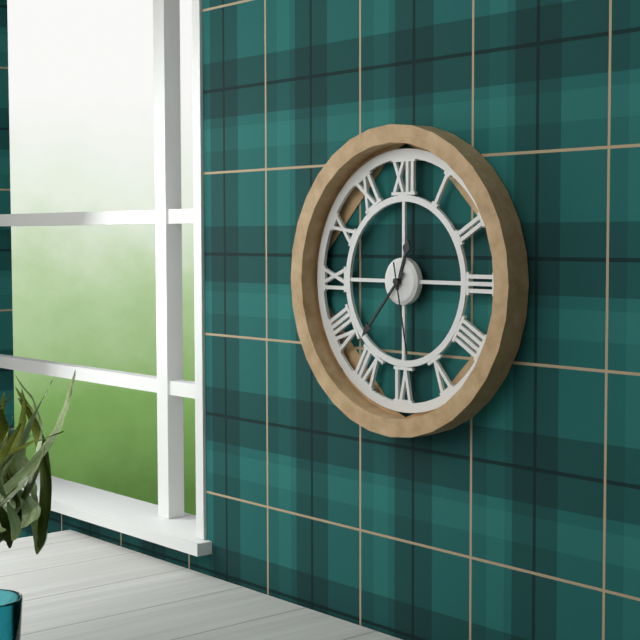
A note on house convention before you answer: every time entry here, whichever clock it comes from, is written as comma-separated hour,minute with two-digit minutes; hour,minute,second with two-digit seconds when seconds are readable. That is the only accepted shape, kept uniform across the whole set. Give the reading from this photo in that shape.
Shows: 12,37,28
